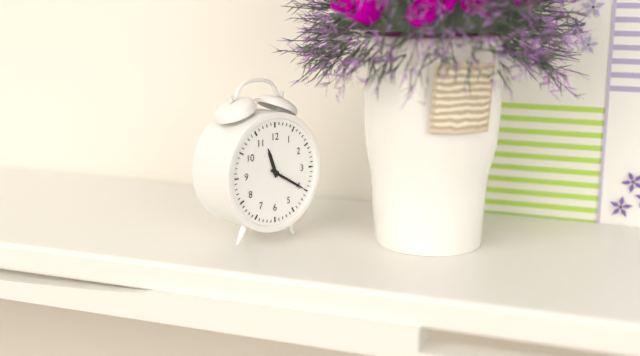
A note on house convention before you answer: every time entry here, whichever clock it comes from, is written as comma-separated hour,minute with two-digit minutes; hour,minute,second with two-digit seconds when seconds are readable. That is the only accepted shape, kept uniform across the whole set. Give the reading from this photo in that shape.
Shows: 11,20
